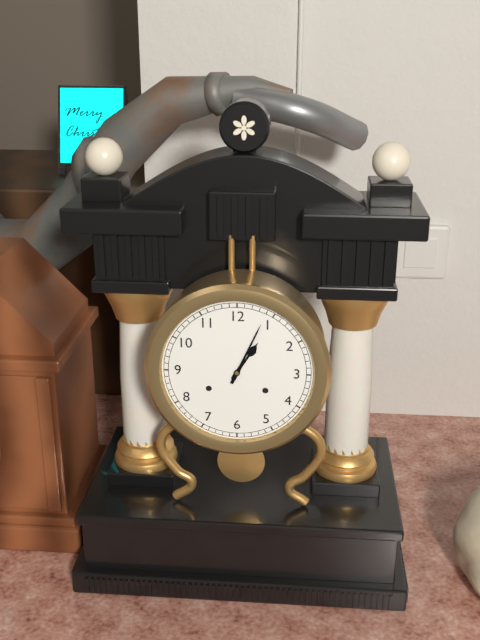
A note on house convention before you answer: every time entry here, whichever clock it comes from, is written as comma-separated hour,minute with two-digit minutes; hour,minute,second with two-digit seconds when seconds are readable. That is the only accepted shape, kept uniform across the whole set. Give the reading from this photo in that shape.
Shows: 1,04
